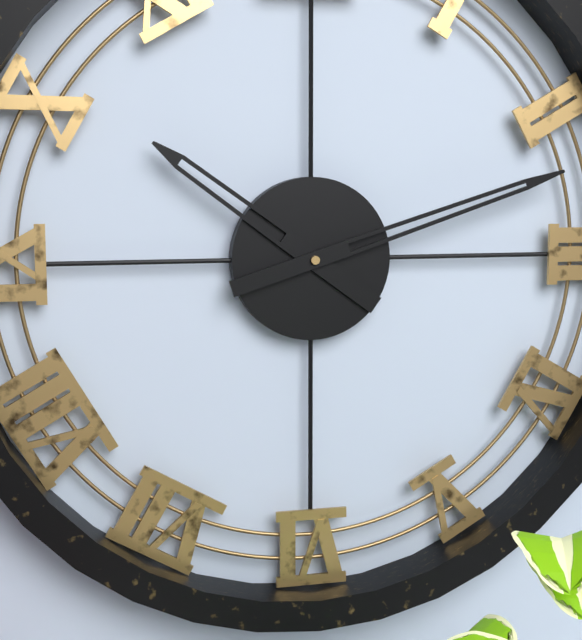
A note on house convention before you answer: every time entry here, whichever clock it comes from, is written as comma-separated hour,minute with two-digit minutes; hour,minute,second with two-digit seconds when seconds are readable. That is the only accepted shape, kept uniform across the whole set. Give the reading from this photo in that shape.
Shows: 10,12
